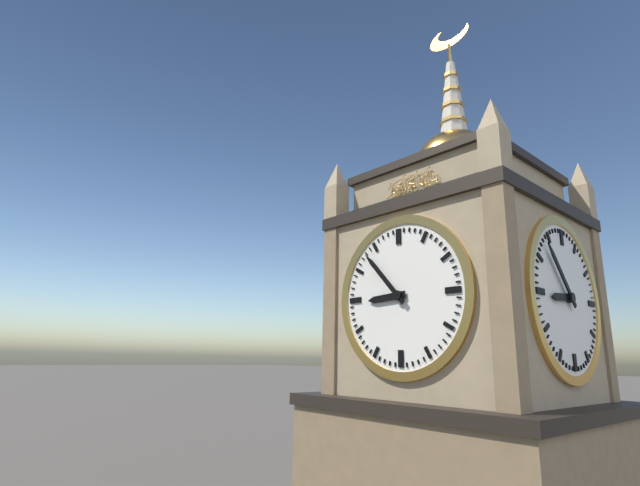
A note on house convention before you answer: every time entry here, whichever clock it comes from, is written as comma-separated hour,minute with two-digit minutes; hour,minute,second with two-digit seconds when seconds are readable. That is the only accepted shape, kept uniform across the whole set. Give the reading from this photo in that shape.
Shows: 8,53
